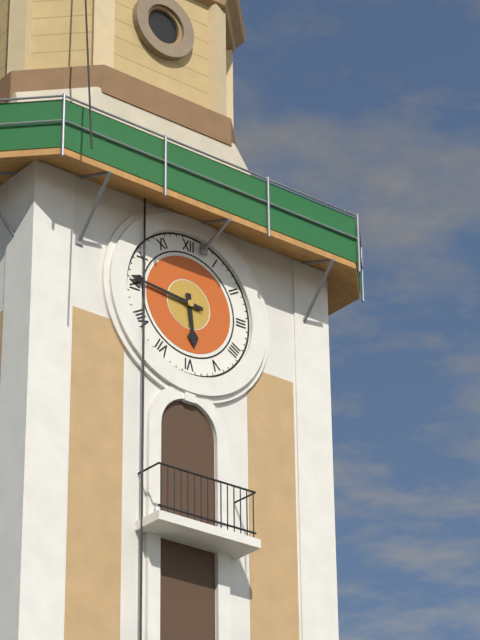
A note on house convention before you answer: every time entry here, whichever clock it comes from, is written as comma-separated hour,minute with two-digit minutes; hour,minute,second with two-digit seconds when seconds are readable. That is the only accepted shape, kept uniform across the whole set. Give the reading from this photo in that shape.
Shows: 5,46
